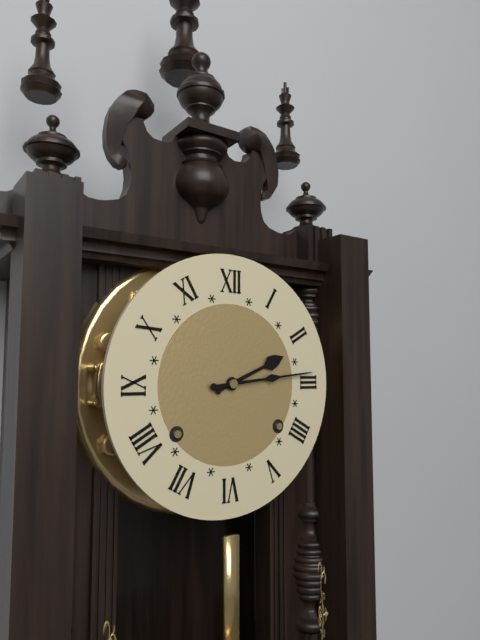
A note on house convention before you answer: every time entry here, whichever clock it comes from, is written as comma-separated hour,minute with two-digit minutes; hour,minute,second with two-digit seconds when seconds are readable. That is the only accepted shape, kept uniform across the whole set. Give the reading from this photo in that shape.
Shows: 2,14
